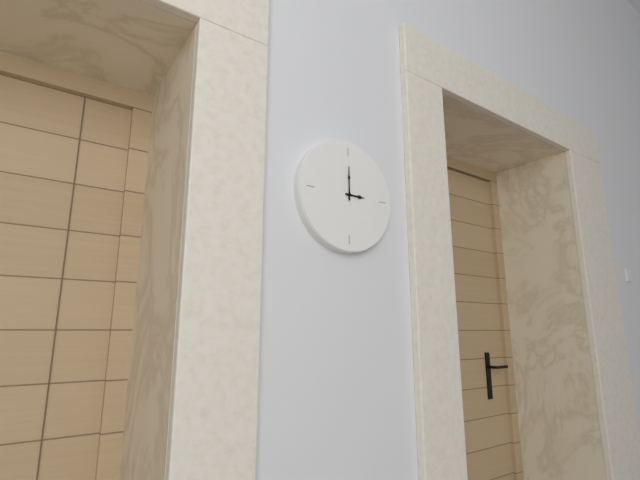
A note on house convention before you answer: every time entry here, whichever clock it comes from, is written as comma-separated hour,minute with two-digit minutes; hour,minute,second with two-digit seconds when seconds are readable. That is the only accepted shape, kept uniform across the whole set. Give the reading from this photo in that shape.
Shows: 3,00
